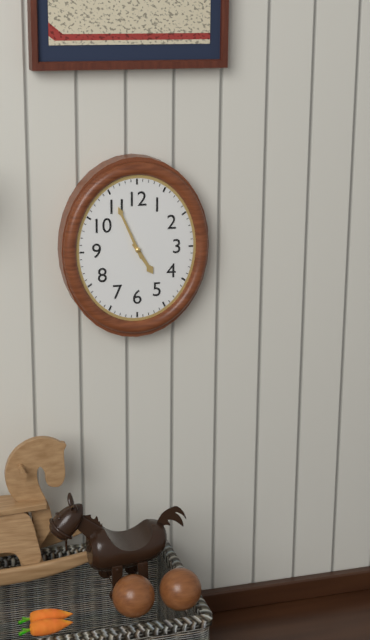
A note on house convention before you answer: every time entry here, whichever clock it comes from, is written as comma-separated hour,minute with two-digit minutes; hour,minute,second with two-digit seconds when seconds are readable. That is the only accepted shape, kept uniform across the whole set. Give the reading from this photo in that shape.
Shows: 4,56
